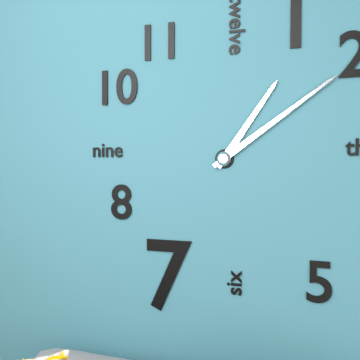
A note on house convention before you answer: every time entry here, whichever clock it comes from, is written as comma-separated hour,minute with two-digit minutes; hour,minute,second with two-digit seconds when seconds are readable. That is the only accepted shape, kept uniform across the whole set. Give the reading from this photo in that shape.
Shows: 1,09
